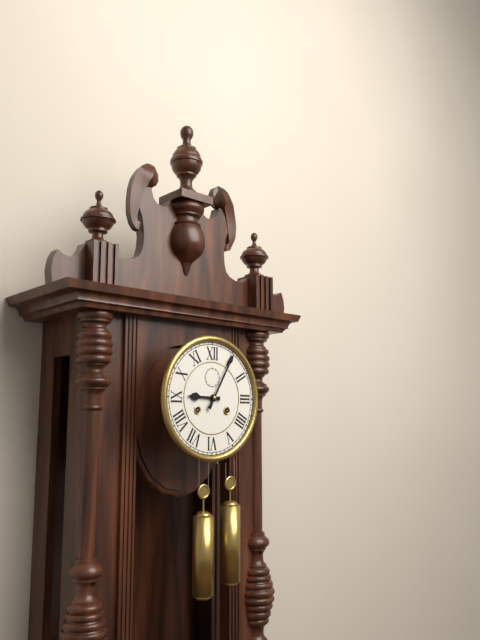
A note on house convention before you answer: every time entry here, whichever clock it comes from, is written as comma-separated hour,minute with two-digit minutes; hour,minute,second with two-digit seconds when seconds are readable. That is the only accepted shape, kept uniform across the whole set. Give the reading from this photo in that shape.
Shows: 9,05
